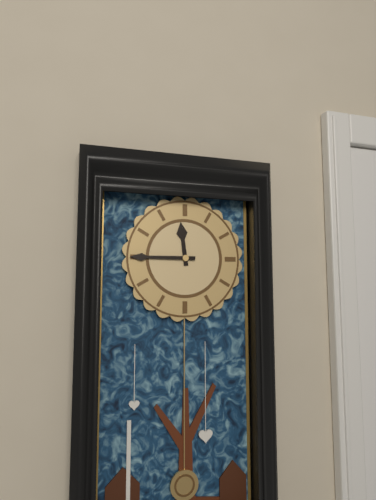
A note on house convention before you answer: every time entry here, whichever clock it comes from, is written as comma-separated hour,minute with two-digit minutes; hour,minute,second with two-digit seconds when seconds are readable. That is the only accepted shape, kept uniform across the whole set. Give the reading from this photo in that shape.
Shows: 11,45
